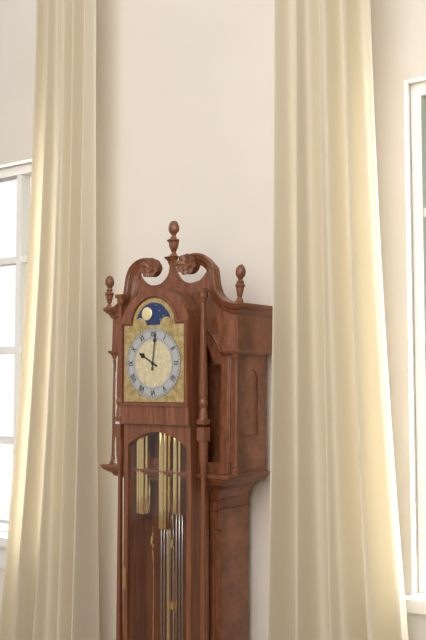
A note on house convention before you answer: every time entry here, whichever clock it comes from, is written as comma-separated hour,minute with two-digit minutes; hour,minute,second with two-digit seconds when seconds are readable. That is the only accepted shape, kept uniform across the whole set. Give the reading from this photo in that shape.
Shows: 10,01
